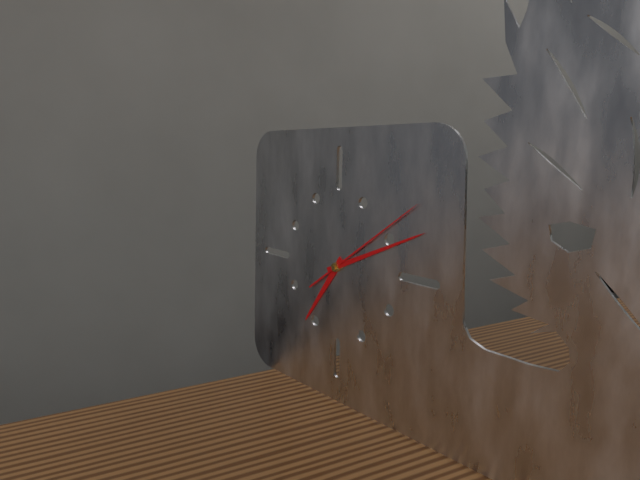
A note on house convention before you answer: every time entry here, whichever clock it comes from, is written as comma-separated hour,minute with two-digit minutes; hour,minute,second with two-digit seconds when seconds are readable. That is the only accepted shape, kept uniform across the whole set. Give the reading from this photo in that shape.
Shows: 7,11,09
